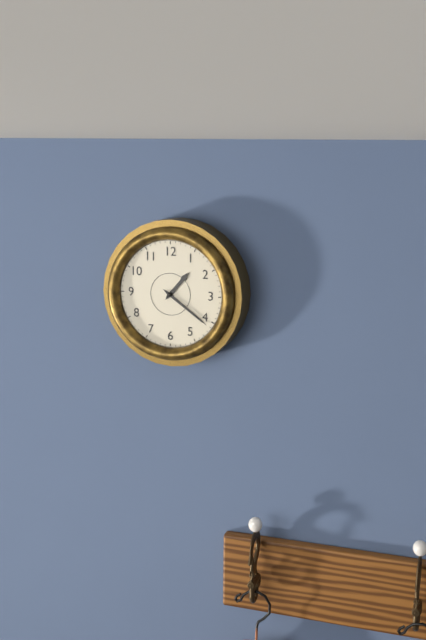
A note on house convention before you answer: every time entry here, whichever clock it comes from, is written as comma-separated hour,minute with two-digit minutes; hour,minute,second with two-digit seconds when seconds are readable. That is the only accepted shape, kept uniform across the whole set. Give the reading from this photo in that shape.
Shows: 1,21
